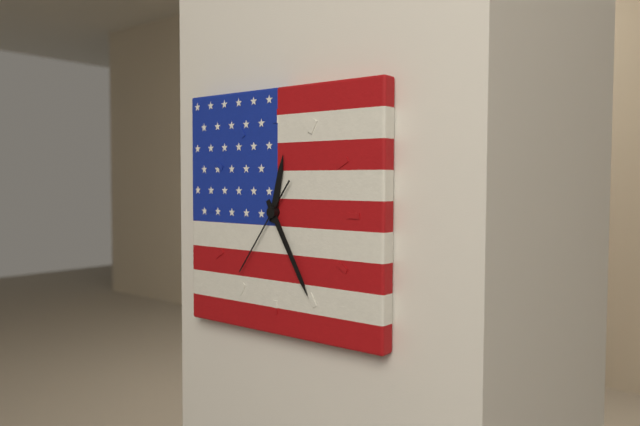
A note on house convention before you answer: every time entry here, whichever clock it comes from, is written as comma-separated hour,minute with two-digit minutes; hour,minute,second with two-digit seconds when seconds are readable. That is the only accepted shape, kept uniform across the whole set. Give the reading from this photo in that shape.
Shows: 12,25,36
